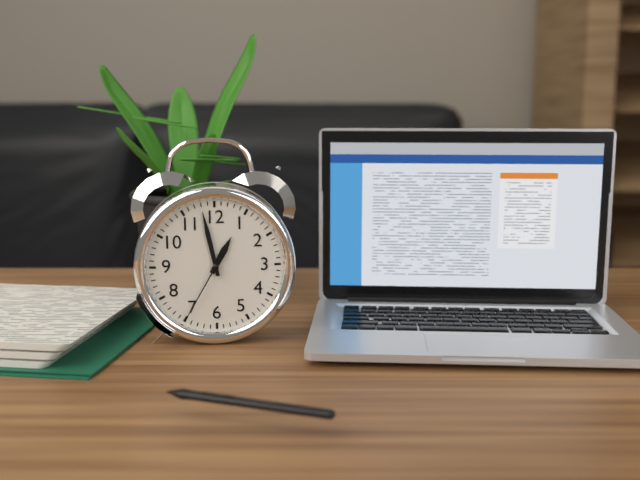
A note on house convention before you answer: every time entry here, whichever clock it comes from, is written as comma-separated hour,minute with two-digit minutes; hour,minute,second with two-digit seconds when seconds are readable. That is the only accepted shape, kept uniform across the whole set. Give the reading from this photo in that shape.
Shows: 12,58,35
